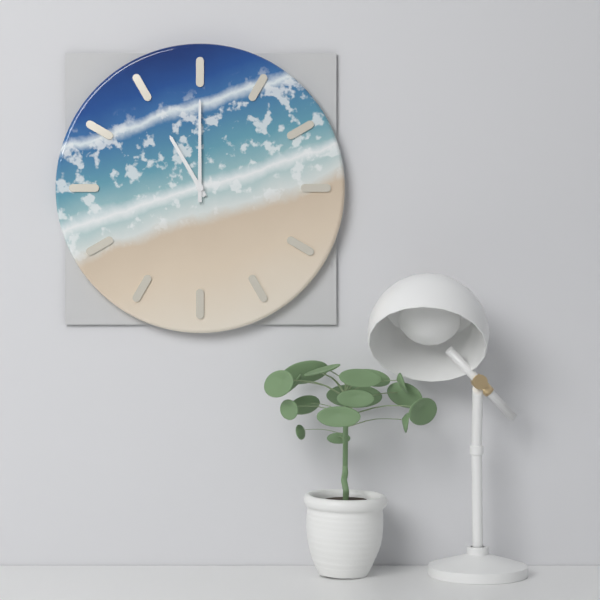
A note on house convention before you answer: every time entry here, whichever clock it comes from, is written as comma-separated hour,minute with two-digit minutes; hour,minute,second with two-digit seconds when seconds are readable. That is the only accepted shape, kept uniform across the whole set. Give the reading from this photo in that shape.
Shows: 11,00
